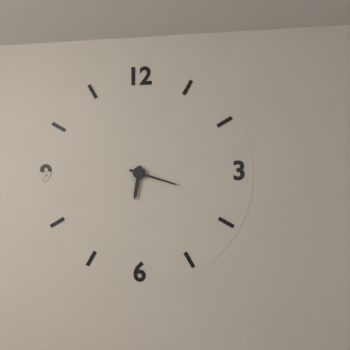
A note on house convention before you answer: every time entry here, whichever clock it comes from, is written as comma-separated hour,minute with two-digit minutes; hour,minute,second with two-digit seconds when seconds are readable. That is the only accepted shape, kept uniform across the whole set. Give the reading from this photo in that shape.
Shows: 6,18
